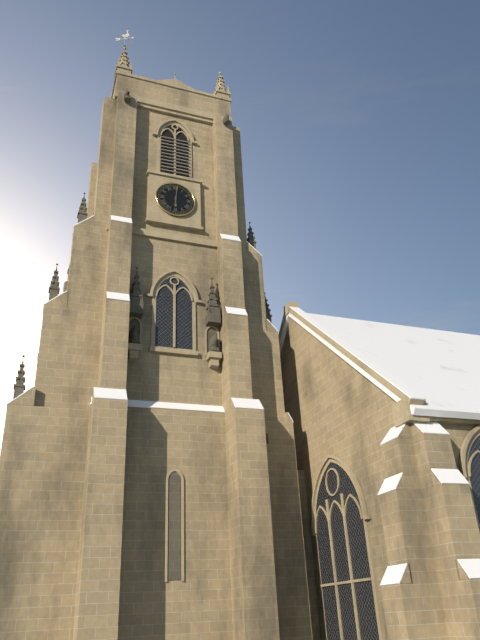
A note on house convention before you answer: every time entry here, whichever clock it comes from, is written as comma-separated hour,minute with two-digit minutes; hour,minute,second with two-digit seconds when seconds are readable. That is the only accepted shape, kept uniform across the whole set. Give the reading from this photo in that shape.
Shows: 6,01
